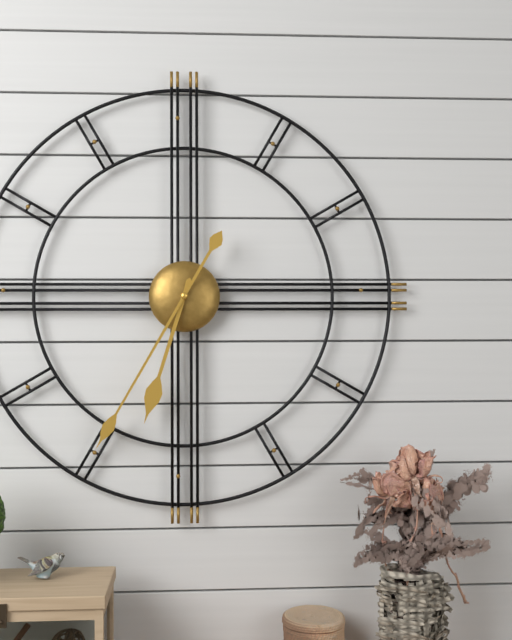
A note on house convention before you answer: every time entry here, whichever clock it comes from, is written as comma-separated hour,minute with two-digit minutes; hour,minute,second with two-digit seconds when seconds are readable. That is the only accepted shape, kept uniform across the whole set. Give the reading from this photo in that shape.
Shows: 6,35
